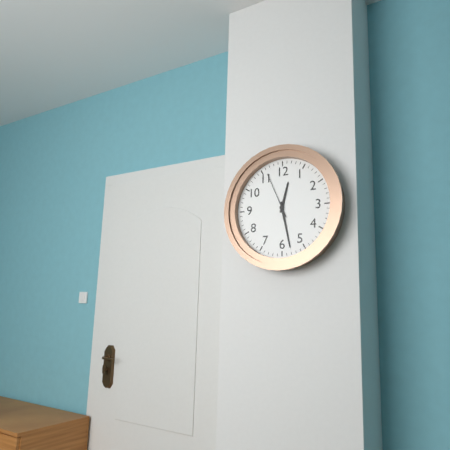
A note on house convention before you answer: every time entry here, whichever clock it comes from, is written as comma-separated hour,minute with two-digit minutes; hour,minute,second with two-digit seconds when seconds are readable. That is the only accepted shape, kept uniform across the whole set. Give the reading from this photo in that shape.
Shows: 12,28
